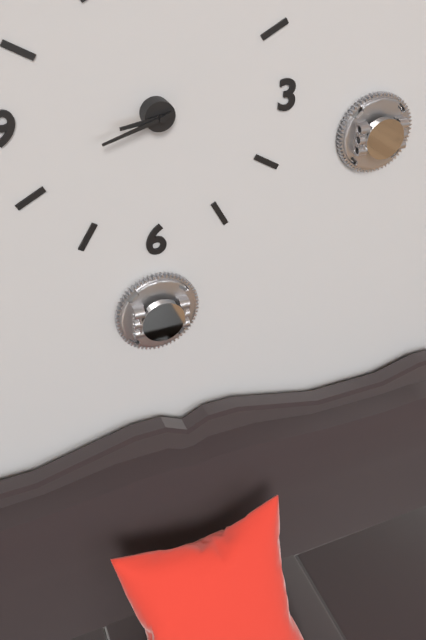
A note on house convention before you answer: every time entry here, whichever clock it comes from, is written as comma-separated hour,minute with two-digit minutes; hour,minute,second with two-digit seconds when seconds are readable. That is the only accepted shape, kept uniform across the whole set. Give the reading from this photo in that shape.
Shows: 8,42
